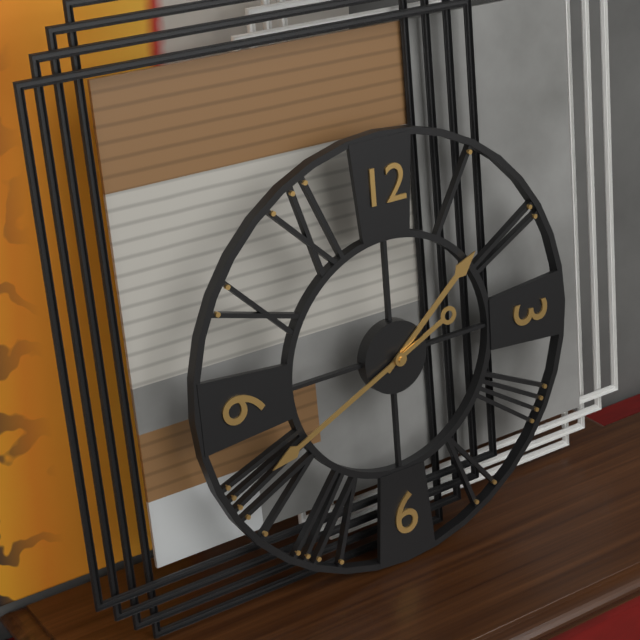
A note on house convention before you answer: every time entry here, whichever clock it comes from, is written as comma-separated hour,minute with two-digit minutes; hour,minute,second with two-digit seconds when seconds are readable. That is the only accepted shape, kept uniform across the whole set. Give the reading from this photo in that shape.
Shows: 1,41
